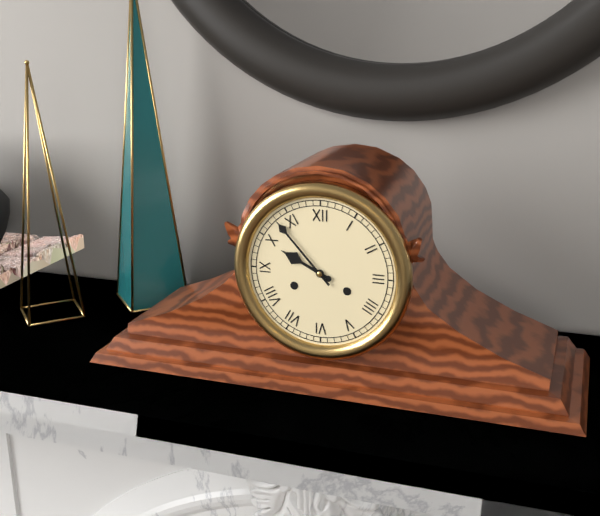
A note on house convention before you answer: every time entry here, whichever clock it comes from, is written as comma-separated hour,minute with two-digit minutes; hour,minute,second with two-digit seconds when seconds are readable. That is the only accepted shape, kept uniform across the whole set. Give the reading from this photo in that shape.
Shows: 9,53
